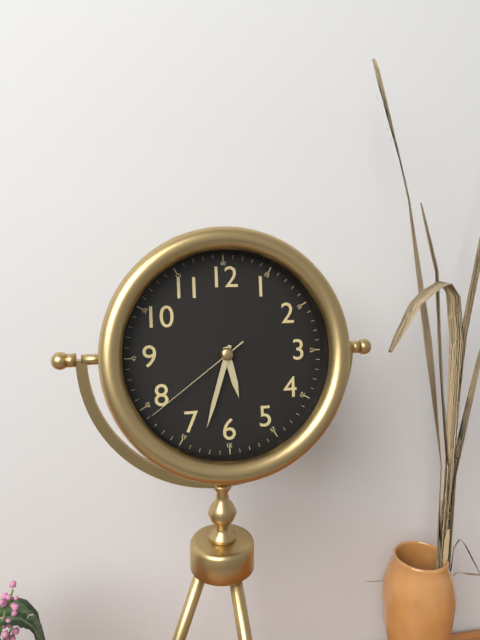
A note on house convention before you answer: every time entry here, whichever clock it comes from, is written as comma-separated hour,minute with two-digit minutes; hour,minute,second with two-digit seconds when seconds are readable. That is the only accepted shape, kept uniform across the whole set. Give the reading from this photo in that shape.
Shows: 5,33,39
